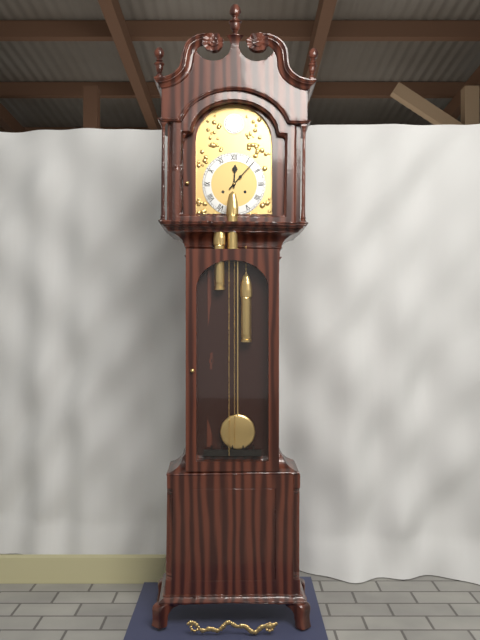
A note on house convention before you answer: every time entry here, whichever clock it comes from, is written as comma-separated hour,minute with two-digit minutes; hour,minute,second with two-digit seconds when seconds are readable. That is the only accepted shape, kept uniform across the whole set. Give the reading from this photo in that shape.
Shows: 12,07
